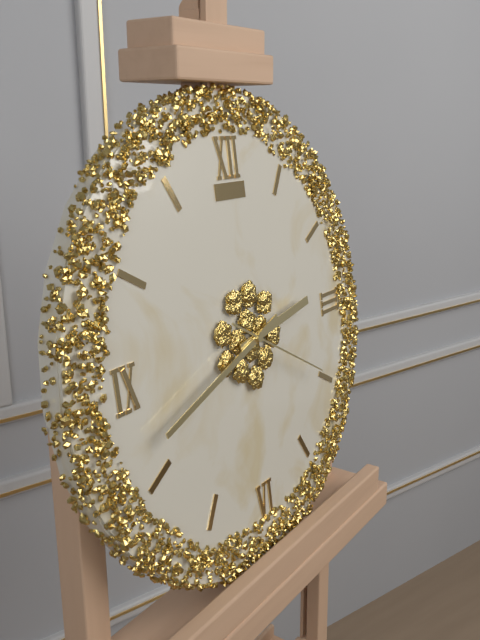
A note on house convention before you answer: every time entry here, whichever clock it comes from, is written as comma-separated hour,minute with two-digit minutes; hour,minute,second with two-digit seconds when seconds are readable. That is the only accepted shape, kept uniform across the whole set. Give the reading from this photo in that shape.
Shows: 2,42,20
